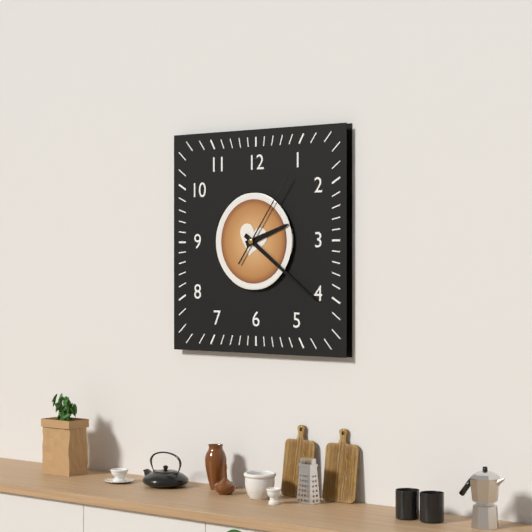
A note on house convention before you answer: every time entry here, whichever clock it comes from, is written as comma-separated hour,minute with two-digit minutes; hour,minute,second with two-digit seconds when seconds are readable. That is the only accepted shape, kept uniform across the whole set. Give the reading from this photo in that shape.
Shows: 2,21,06
